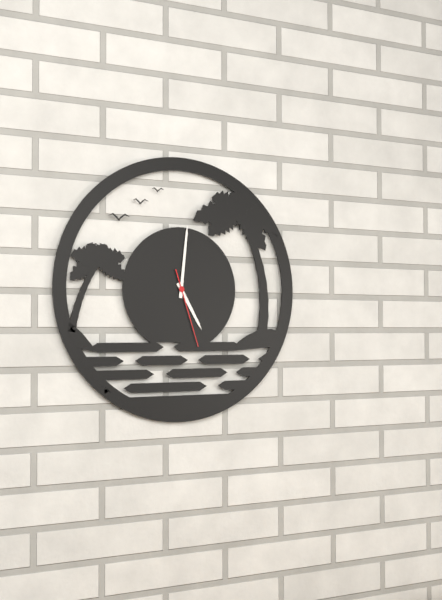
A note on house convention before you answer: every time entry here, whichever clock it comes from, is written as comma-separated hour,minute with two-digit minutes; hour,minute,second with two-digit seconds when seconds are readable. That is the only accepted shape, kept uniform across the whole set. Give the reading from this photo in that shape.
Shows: 5,01,27
